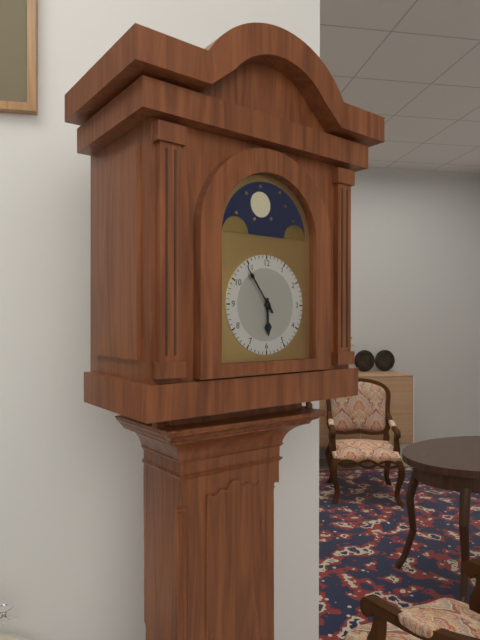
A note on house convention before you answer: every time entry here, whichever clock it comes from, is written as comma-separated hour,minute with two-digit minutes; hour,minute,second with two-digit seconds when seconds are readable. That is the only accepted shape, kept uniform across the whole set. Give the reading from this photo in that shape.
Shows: 5,54
